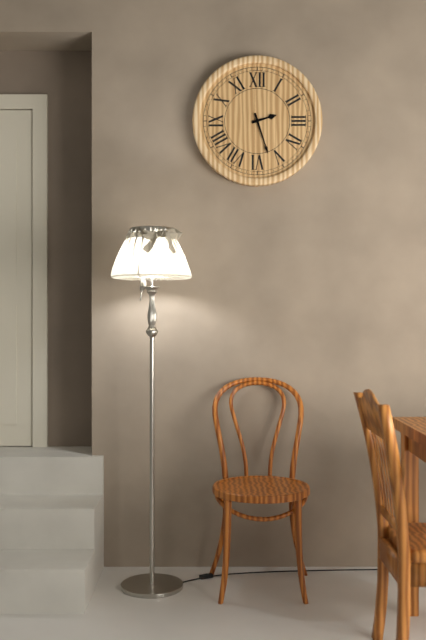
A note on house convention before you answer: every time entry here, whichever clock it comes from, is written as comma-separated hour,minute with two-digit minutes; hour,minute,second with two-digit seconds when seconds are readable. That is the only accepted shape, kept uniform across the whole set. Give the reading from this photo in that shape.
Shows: 2,27
